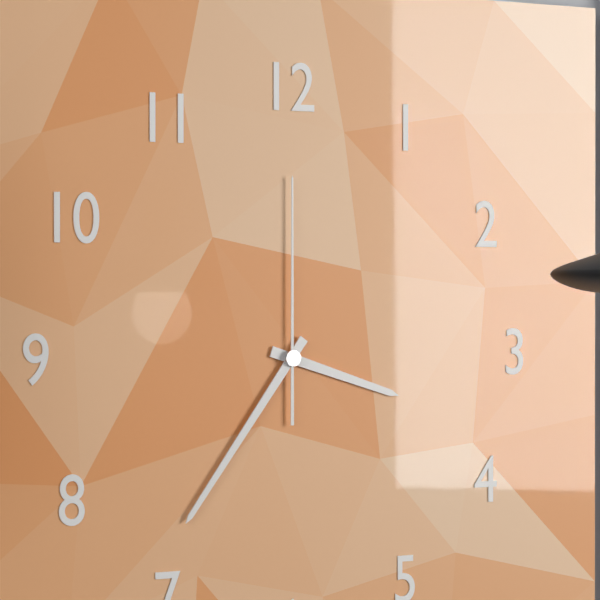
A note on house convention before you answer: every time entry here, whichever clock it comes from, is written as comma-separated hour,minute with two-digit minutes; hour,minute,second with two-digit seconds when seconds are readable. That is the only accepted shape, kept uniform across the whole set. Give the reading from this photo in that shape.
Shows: 3,36,00
